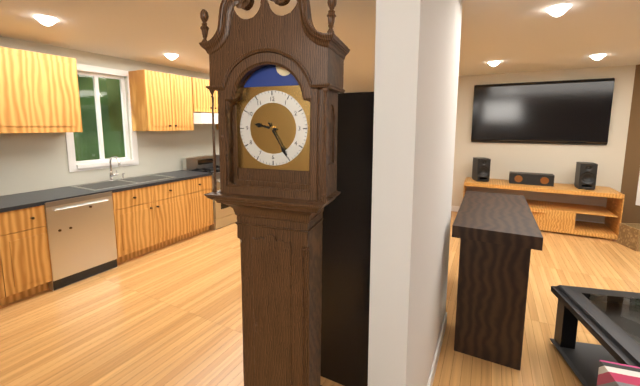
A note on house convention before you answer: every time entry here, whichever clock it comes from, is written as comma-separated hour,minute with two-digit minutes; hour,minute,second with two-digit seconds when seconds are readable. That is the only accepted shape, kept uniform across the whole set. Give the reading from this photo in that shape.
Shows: 9,25
